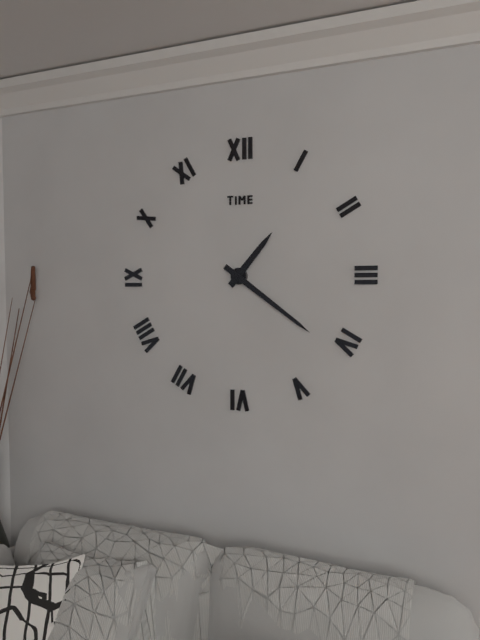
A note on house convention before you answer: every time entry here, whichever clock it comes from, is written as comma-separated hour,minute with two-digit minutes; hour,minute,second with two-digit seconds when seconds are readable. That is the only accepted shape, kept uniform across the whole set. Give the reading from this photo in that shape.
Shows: 1,21
